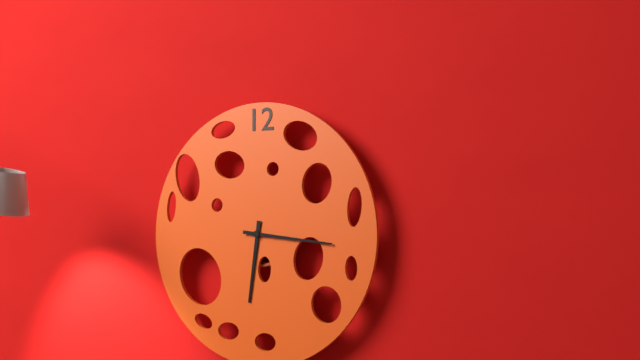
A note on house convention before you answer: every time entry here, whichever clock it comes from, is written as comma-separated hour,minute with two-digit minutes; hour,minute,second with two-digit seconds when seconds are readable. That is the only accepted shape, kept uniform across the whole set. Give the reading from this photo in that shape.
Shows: 6,16
